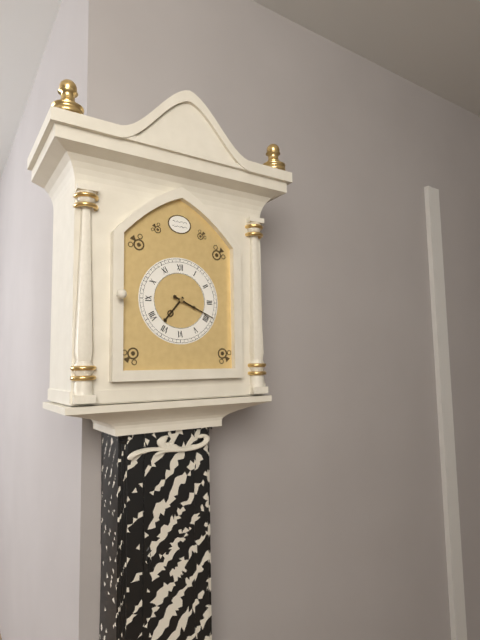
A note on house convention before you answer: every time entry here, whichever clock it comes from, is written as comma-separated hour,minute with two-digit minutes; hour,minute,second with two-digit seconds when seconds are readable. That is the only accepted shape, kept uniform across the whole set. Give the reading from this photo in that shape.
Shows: 7,19
